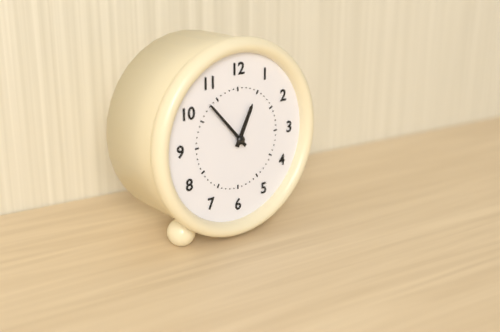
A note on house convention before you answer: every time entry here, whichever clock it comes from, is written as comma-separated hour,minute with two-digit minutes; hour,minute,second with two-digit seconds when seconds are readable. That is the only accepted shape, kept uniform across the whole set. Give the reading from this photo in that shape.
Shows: 12,53
